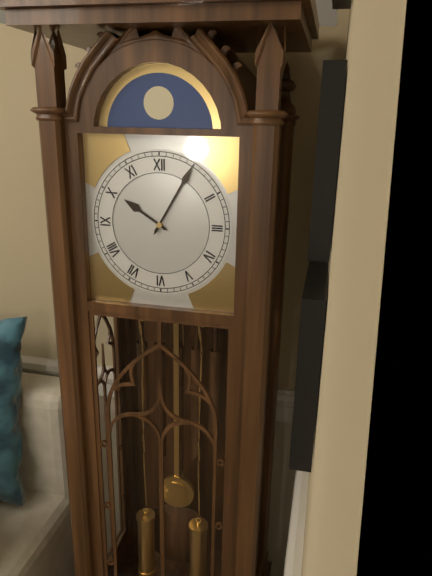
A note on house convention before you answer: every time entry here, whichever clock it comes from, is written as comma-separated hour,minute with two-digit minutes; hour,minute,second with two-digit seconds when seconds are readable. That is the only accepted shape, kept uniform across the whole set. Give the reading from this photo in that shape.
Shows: 10,05
